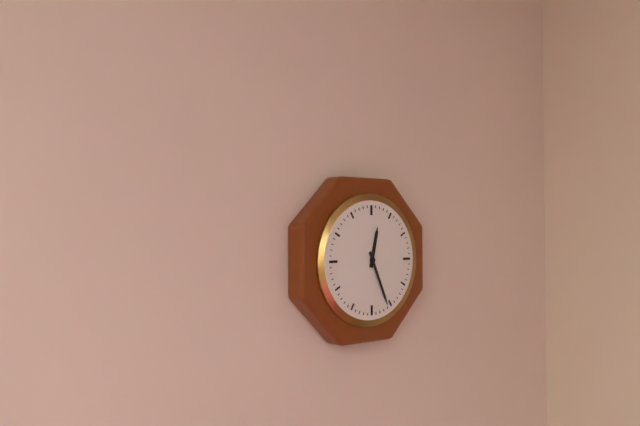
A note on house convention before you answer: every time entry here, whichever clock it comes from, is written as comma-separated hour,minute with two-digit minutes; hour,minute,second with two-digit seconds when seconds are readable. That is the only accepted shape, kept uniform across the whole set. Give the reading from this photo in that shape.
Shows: 12,26
